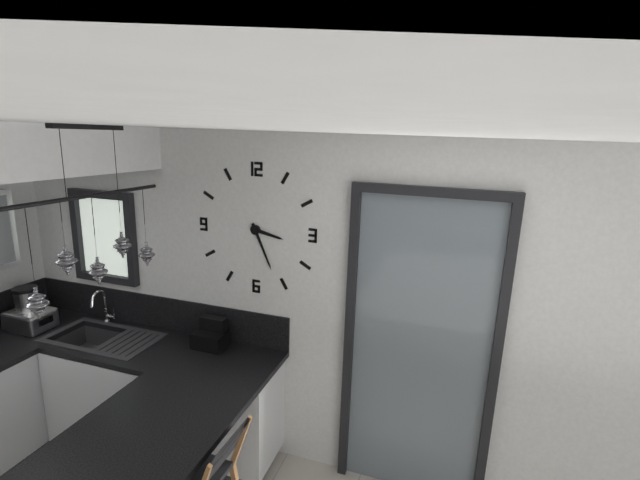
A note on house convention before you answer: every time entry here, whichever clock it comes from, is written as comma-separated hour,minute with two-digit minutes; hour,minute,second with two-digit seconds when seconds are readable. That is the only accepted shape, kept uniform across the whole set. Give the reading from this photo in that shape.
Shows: 3,26
